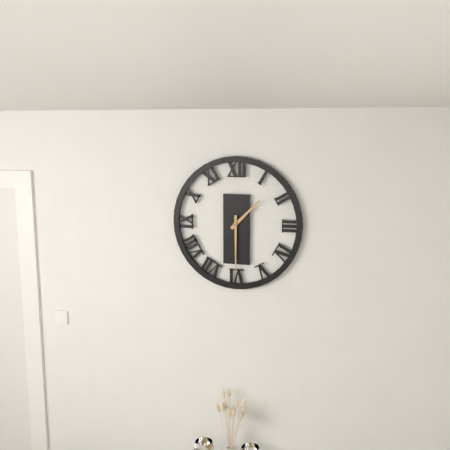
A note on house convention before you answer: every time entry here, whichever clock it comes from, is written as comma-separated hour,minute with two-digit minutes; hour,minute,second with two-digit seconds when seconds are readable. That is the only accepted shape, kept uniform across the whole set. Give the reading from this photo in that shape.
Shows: 1,30
